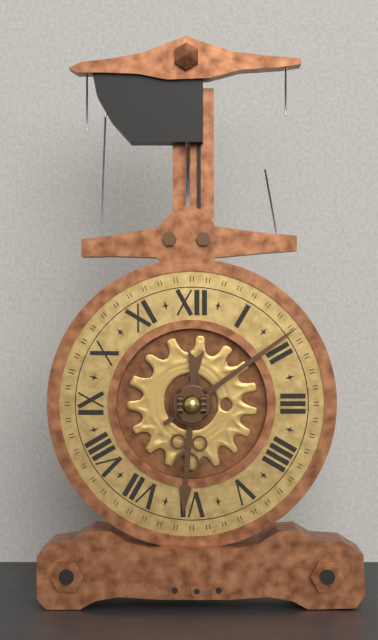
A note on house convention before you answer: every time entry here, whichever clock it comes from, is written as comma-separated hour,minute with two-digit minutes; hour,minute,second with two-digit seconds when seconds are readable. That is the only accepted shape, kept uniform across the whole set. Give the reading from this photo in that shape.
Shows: 6,09
